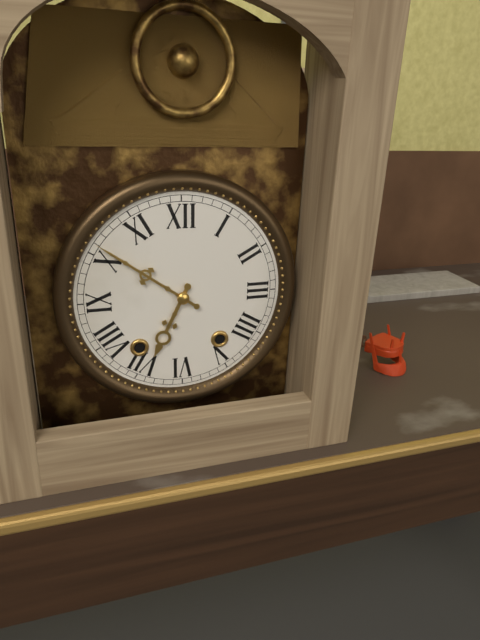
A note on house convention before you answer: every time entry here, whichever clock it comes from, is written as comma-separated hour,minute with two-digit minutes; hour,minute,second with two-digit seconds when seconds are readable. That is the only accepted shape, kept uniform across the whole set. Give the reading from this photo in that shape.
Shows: 6,51
